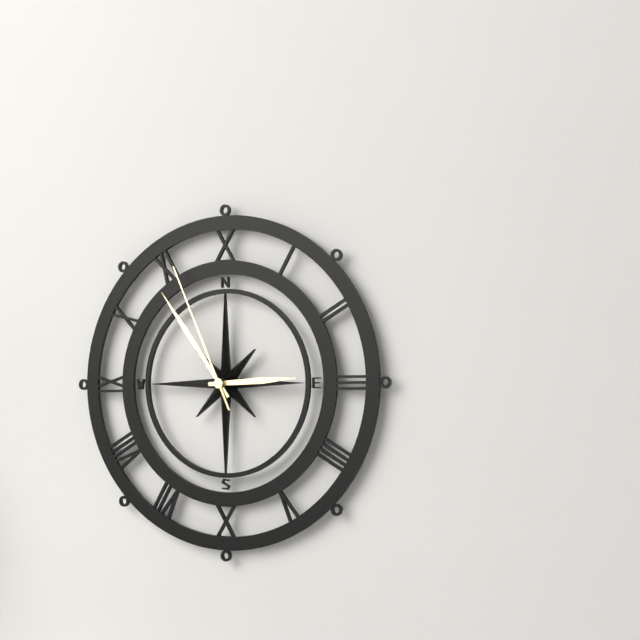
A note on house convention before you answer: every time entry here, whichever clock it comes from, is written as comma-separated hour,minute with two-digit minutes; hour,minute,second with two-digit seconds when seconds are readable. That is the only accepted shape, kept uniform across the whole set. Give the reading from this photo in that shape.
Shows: 2,54,56
